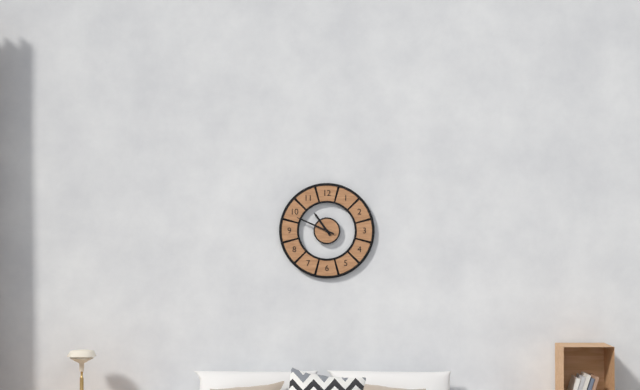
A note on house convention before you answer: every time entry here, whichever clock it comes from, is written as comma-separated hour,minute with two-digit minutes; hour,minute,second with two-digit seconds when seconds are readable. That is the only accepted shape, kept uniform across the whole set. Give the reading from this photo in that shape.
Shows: 10,49
